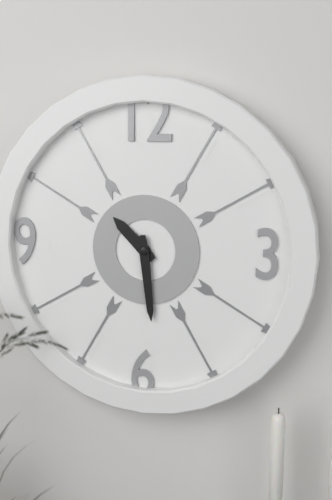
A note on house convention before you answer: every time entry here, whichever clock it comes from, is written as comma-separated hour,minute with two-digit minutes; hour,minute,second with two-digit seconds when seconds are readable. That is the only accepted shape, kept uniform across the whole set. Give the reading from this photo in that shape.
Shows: 10,29
